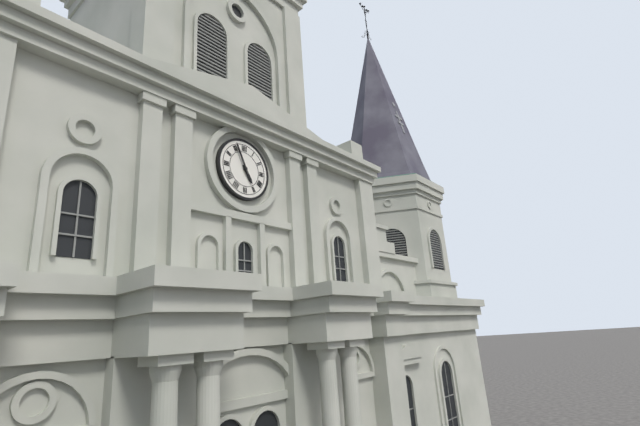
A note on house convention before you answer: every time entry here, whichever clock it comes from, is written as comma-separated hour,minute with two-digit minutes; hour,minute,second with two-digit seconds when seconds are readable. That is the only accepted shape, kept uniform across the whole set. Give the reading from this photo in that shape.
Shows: 4,56
